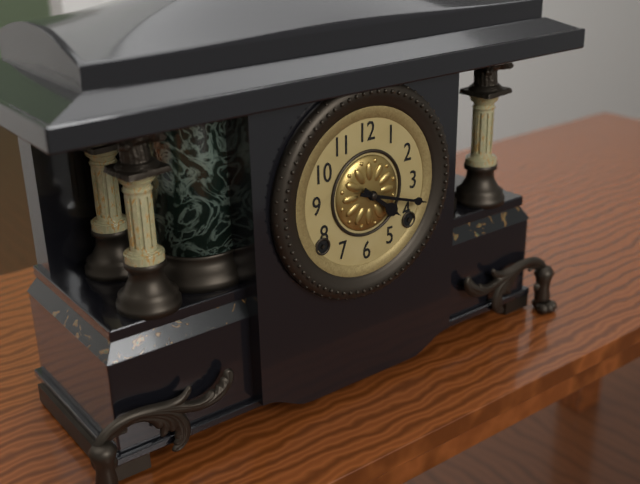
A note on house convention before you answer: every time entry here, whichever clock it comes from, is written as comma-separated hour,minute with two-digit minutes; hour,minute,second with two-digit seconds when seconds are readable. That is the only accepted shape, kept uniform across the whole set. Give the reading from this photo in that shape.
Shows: 4,18
